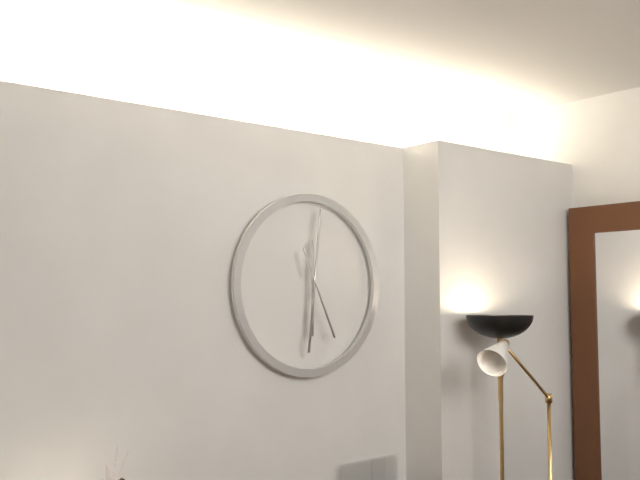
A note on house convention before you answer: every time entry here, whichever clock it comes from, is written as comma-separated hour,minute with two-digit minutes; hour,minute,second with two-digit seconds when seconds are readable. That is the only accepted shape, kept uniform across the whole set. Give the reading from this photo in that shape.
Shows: 6,01,26
